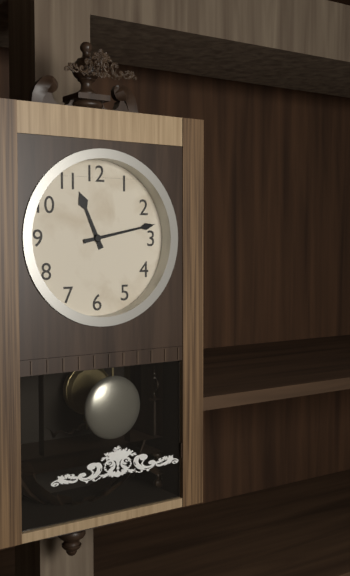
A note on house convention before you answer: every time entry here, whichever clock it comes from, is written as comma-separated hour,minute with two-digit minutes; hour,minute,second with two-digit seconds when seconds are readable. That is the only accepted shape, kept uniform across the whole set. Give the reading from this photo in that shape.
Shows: 11,13
